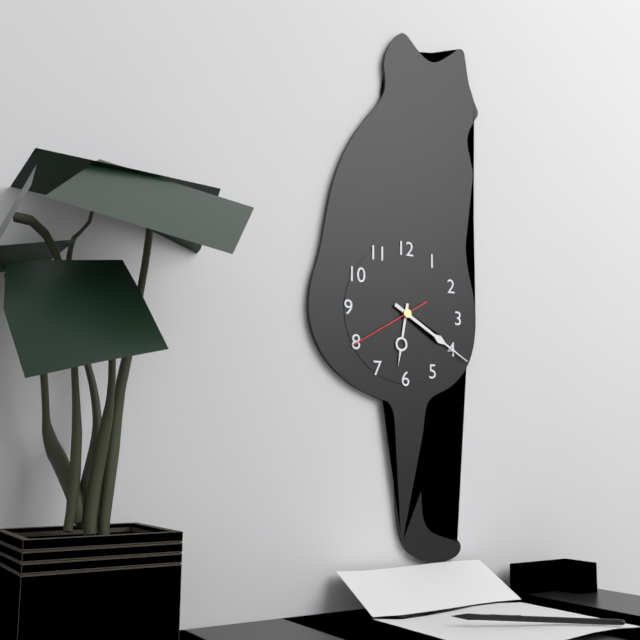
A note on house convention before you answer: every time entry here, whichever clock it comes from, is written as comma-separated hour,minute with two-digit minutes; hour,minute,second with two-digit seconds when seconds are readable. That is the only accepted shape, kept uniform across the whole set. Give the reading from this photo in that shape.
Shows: 6,20,40
